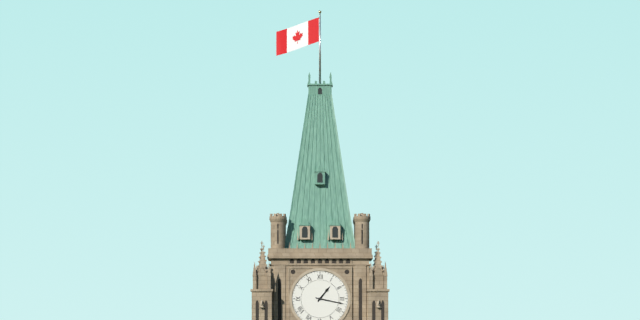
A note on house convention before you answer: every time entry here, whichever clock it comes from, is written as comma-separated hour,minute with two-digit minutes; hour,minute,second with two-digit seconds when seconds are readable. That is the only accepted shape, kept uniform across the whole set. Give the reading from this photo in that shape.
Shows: 1,17
